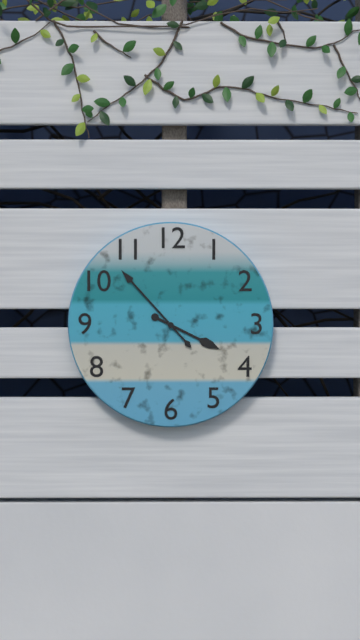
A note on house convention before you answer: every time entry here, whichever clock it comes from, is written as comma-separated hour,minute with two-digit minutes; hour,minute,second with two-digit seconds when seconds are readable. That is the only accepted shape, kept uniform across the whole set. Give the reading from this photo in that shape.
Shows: 3,53
